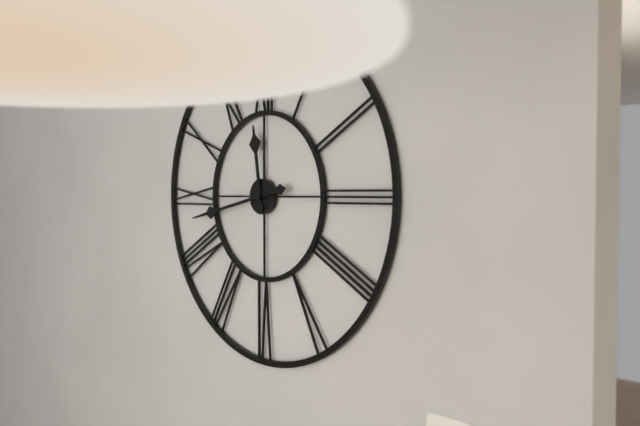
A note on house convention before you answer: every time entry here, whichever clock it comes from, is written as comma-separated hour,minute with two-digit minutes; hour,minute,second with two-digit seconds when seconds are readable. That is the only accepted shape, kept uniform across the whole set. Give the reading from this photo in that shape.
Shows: 11,43
